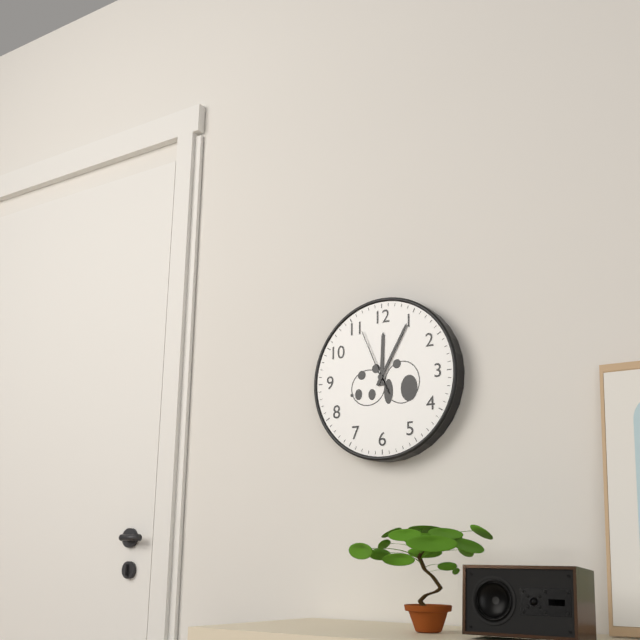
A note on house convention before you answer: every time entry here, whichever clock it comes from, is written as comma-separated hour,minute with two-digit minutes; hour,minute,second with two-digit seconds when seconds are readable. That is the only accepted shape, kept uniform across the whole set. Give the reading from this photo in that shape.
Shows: 12,05,56
